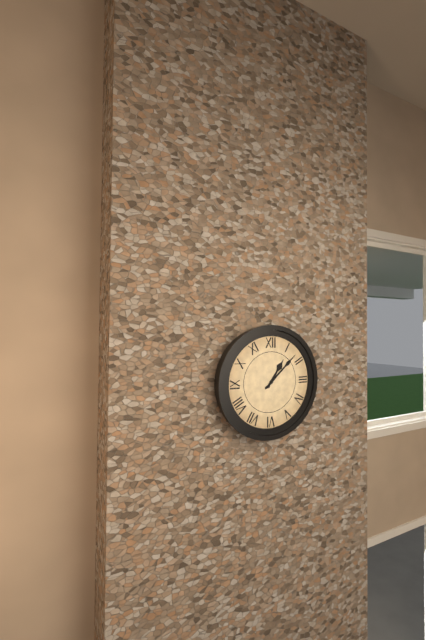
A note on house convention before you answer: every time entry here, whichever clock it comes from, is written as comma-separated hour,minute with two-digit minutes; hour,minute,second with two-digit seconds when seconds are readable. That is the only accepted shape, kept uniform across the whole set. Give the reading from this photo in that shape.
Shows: 1,08
